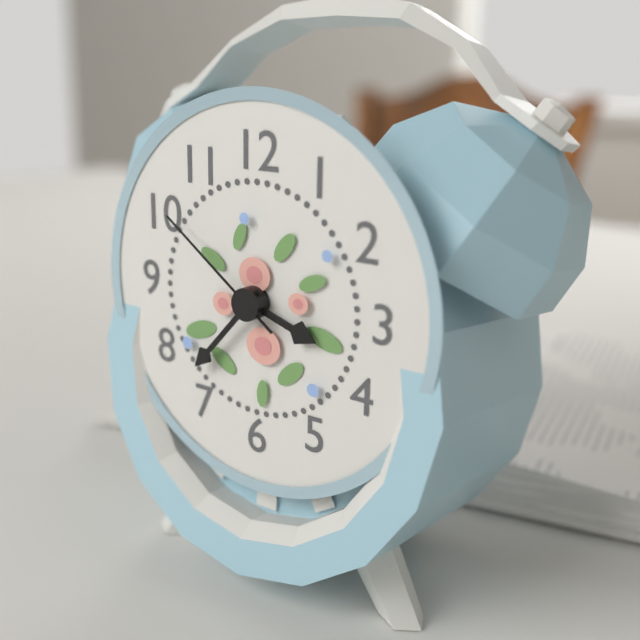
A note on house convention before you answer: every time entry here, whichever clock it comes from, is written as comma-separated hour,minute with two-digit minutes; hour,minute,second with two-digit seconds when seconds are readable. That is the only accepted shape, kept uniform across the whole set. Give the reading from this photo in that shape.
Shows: 3,37,51
